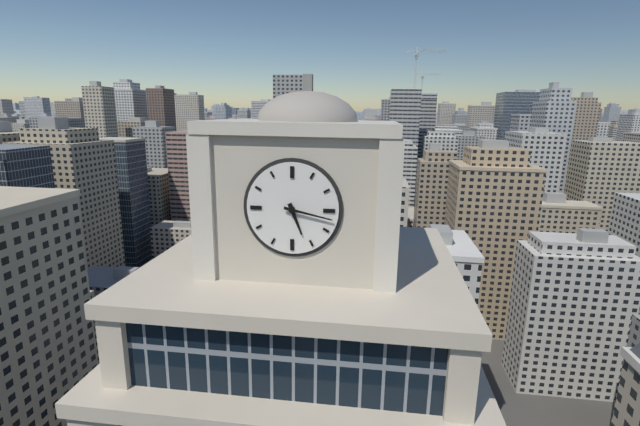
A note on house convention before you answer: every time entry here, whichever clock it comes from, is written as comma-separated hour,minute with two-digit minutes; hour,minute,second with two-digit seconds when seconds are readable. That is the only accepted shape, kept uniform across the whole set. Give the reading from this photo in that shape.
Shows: 5,17
